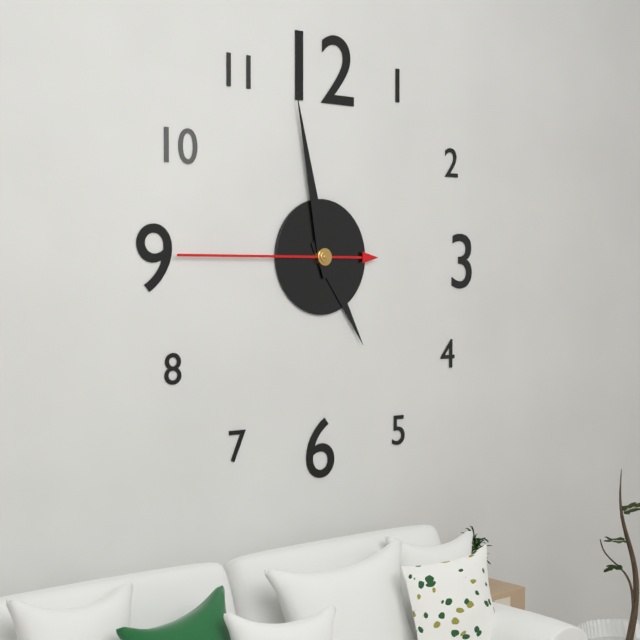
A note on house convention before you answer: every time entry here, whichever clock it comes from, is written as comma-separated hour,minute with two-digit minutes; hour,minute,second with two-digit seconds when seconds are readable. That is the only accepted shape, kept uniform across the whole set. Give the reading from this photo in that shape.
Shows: 4,58,45
